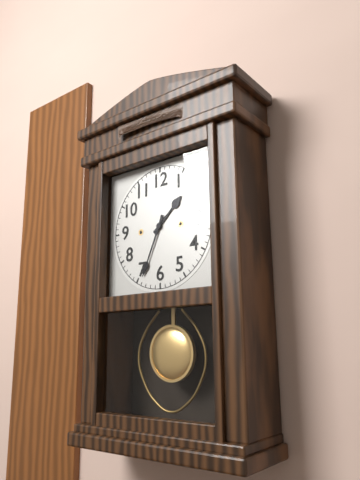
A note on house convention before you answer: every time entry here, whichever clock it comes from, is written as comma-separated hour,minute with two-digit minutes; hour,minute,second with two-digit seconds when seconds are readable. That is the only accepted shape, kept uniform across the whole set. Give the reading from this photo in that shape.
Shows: 1,34
